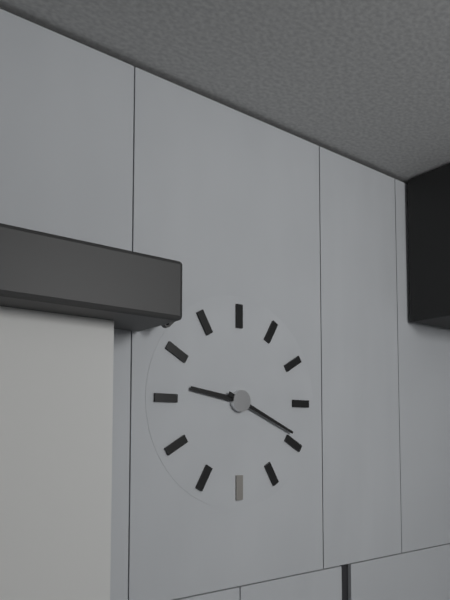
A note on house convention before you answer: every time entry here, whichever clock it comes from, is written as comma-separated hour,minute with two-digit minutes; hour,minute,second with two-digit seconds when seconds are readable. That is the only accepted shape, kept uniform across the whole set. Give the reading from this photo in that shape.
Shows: 9,19
